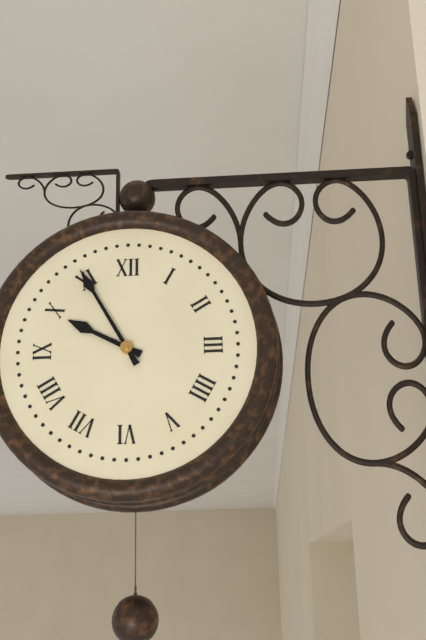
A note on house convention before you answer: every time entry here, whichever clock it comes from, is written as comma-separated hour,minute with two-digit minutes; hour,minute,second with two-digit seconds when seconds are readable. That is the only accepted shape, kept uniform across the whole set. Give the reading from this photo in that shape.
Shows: 9,55
